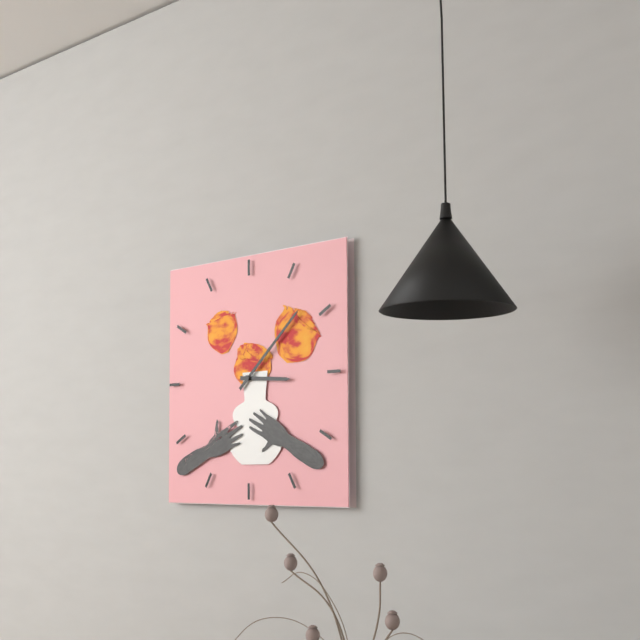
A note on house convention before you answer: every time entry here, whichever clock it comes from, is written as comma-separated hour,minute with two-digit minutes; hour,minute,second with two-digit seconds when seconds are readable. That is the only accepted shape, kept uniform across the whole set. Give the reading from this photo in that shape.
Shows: 3,08
